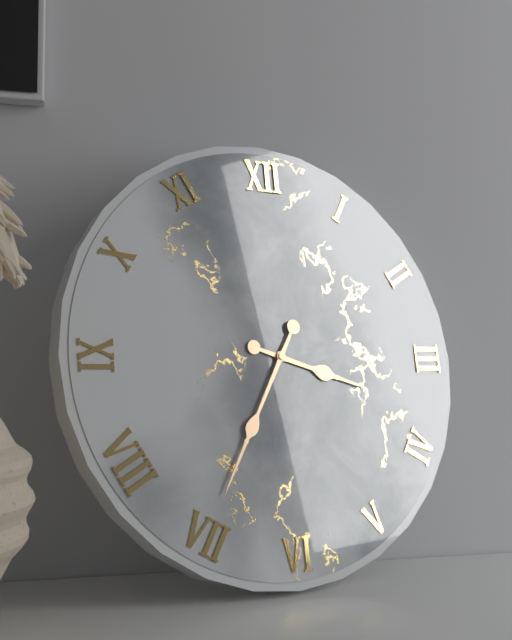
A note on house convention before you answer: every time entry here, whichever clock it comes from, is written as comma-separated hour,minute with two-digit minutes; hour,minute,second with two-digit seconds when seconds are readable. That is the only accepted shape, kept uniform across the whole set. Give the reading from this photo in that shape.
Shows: 3,35
